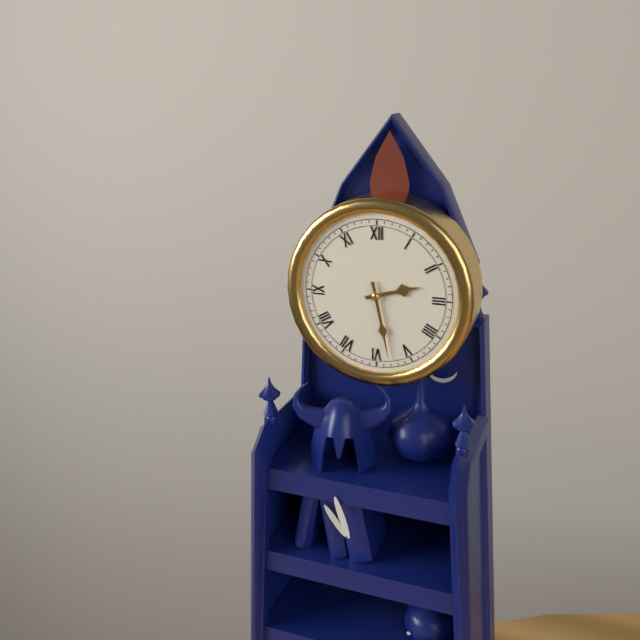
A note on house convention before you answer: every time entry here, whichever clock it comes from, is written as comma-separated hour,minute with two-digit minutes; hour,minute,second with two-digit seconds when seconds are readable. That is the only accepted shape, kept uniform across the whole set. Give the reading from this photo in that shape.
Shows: 2,28
